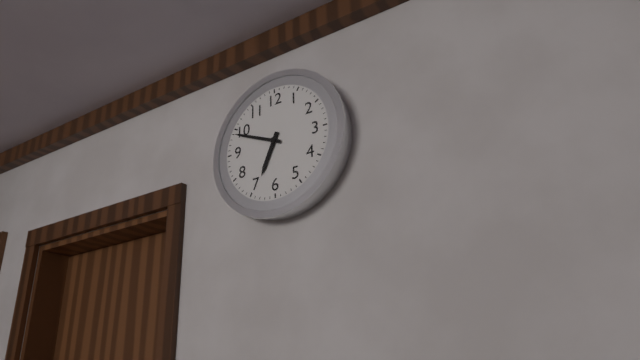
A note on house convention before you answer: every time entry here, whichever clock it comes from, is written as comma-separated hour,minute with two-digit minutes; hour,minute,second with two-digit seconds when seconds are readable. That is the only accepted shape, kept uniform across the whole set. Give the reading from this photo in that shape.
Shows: 6,49
